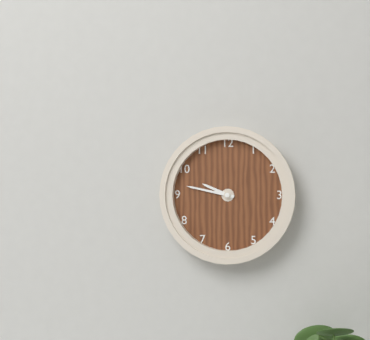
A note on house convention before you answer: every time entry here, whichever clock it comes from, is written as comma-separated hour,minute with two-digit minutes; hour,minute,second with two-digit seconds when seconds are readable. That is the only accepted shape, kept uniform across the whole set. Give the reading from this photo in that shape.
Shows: 9,47
